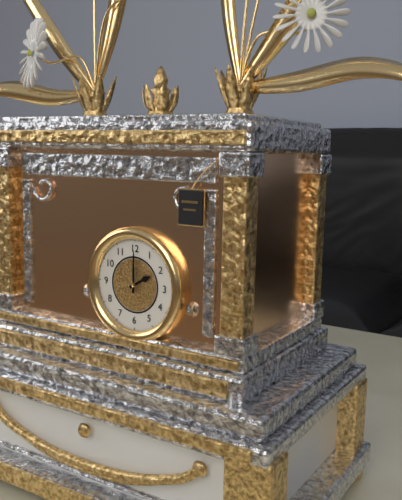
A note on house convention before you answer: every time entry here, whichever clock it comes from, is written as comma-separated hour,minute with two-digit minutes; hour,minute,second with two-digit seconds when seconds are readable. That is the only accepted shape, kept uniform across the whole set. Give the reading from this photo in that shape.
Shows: 2,00
